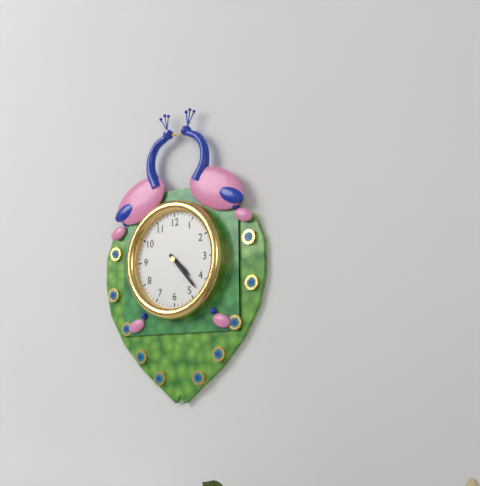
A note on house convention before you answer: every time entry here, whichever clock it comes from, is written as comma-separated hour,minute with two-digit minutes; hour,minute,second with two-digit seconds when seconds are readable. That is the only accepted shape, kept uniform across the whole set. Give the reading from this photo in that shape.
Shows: 4,23
